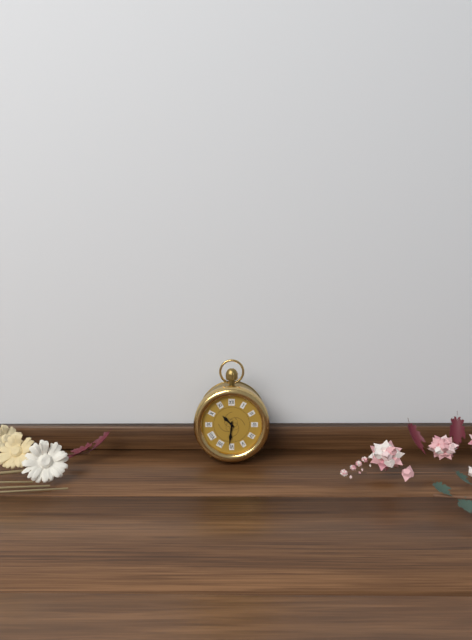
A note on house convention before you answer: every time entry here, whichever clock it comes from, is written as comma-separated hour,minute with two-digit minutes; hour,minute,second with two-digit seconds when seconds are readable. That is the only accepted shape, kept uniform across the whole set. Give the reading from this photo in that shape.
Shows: 10,31
